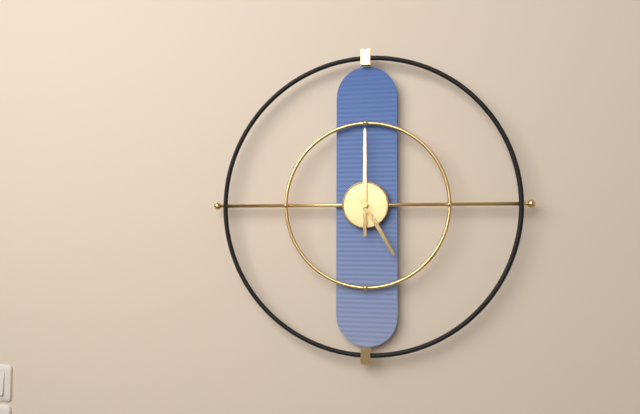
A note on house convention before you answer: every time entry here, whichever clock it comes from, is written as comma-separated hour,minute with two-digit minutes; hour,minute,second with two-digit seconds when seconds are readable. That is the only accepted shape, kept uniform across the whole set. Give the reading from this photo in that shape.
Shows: 5,00
